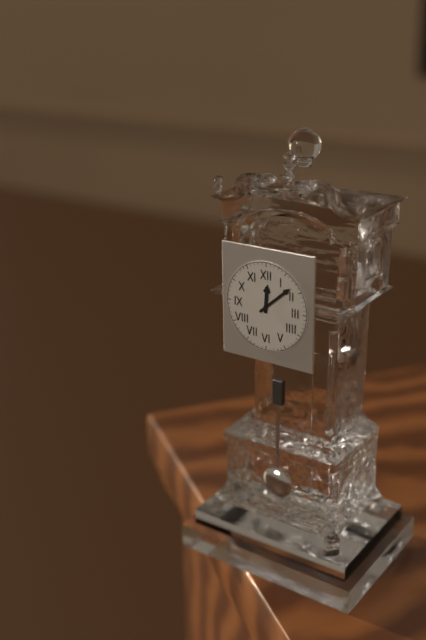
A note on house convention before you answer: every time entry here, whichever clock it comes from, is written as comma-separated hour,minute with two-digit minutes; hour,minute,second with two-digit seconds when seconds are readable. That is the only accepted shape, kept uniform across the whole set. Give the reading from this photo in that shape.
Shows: 12,08
